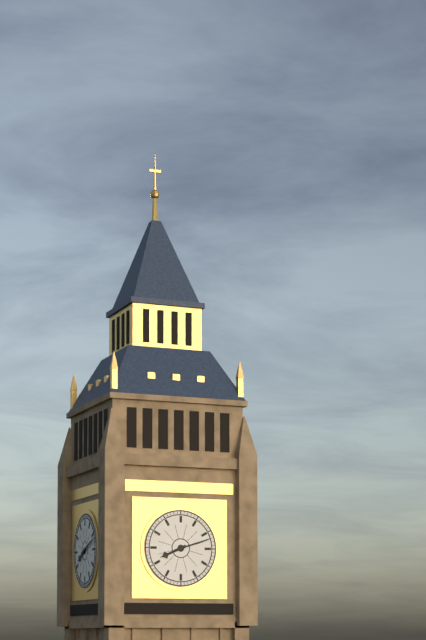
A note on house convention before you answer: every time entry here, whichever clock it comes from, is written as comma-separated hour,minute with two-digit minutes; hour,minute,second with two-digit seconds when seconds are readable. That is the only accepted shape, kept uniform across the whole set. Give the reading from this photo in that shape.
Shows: 8,12
